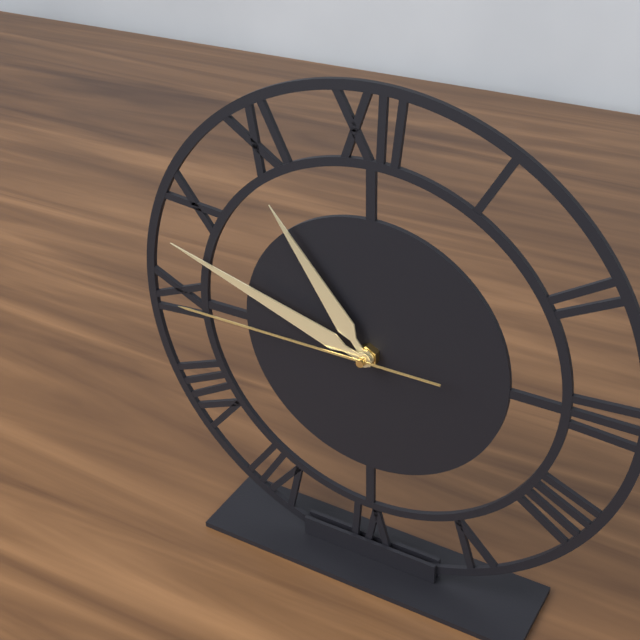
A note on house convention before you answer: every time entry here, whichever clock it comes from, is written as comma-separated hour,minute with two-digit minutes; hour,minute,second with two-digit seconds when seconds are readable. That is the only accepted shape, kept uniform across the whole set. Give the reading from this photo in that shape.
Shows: 10,48,45
